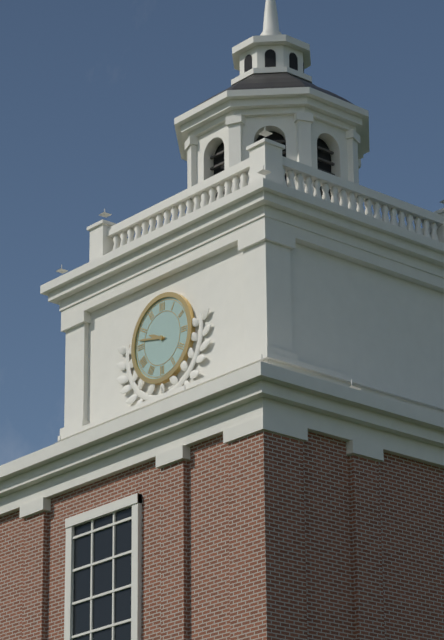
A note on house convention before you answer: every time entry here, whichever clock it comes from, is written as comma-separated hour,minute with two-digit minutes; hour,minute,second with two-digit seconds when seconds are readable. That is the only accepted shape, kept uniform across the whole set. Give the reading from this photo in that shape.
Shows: 9,47
